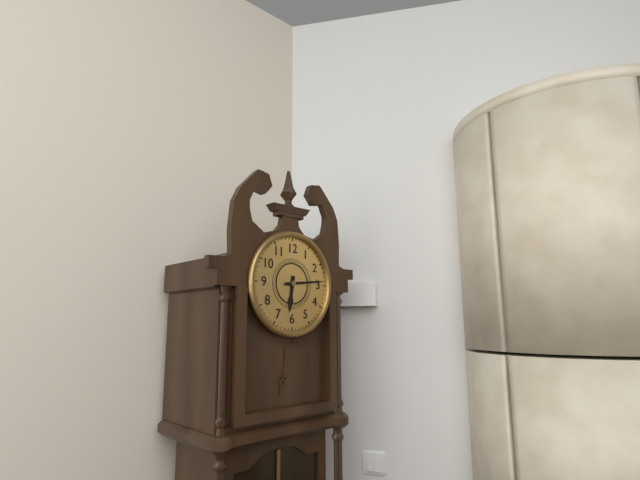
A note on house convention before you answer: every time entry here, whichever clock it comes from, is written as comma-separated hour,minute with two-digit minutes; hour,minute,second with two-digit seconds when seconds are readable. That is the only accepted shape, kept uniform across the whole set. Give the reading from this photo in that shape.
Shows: 6,14
